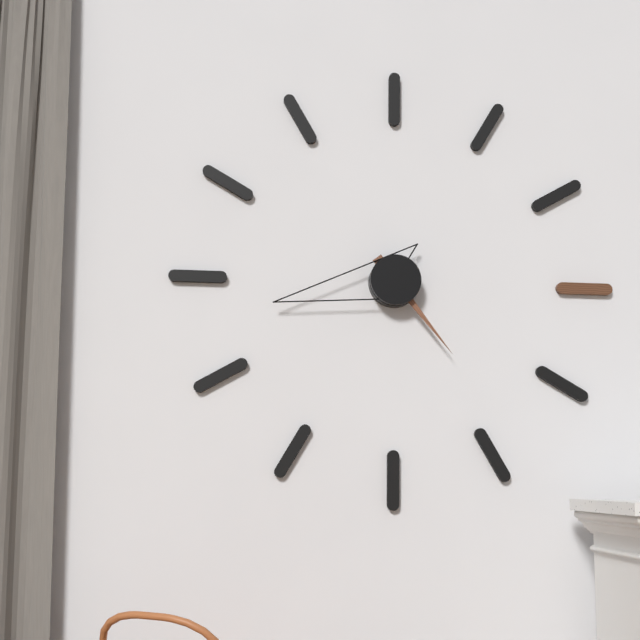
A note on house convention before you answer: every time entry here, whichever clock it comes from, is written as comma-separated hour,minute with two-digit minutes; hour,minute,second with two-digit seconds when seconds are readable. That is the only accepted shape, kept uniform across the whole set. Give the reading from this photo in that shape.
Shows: 4,43
